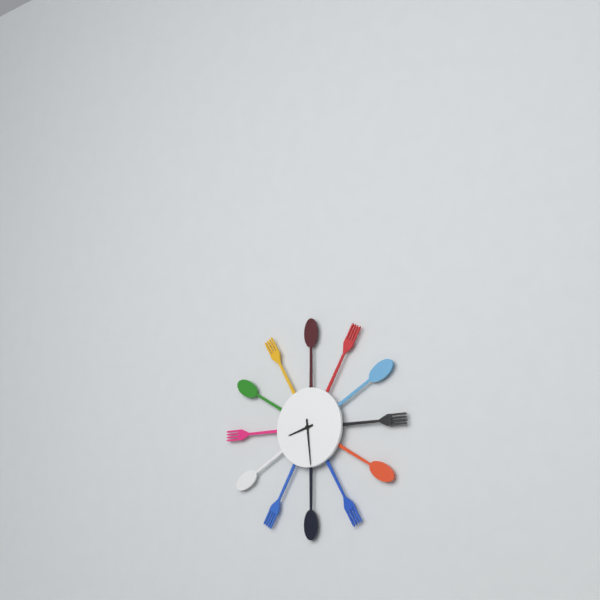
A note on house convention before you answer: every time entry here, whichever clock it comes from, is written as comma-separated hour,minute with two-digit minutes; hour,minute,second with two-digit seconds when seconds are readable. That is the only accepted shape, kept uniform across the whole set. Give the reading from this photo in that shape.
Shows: 8,29
